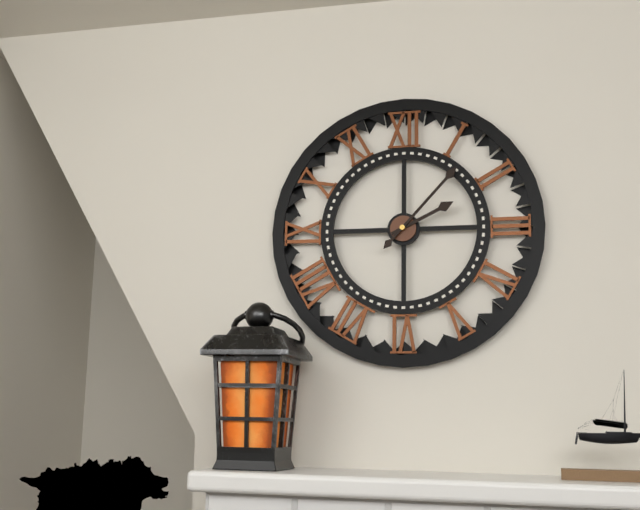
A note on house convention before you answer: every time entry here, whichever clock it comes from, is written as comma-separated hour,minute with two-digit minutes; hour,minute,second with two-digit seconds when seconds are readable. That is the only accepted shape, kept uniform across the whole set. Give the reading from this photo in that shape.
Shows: 2,07
